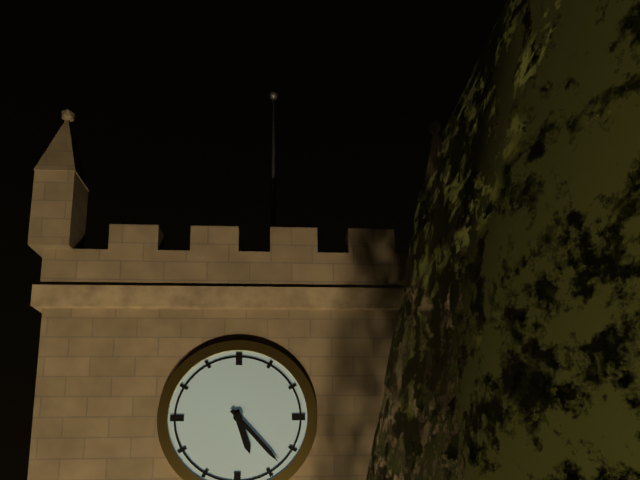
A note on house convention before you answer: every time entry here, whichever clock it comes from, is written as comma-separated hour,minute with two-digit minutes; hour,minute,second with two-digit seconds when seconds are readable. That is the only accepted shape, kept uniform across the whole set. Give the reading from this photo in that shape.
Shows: 5,23
